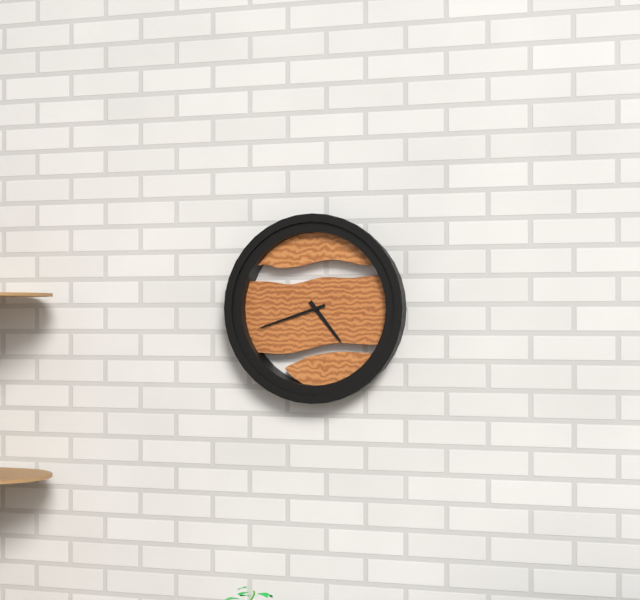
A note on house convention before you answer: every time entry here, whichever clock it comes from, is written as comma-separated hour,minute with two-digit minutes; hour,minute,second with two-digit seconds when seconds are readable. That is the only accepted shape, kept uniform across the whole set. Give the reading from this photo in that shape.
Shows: 4,42
